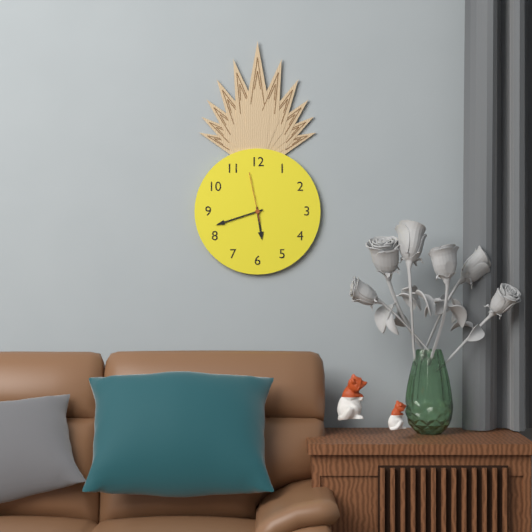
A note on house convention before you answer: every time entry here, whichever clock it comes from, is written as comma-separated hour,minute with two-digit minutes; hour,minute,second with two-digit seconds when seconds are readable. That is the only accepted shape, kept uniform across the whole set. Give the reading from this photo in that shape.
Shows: 5,42,58
